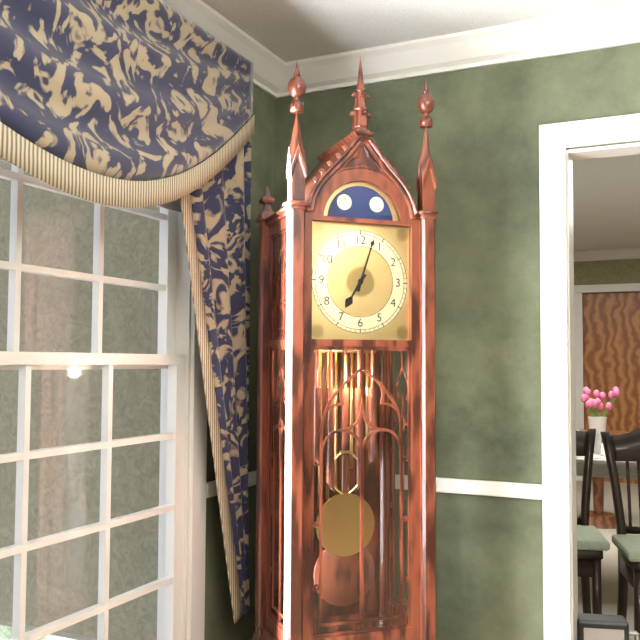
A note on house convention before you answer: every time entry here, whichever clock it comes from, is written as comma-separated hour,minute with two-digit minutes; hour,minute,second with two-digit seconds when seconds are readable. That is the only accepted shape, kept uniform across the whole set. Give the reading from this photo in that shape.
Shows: 7,03
